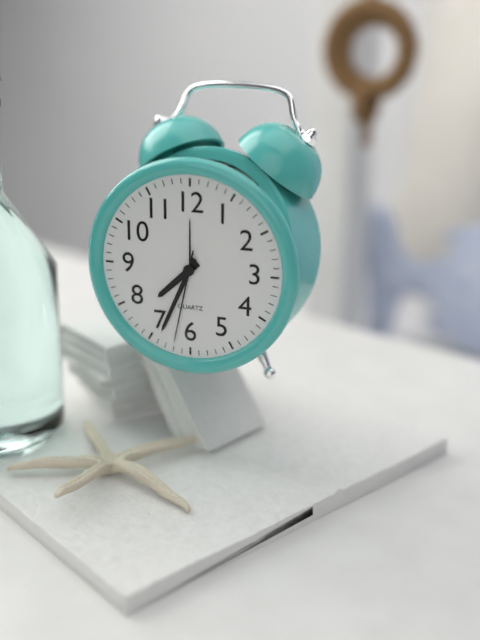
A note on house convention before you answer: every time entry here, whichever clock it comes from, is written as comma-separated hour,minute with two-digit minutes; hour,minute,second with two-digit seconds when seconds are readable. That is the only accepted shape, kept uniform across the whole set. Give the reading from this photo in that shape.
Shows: 7,34,32
